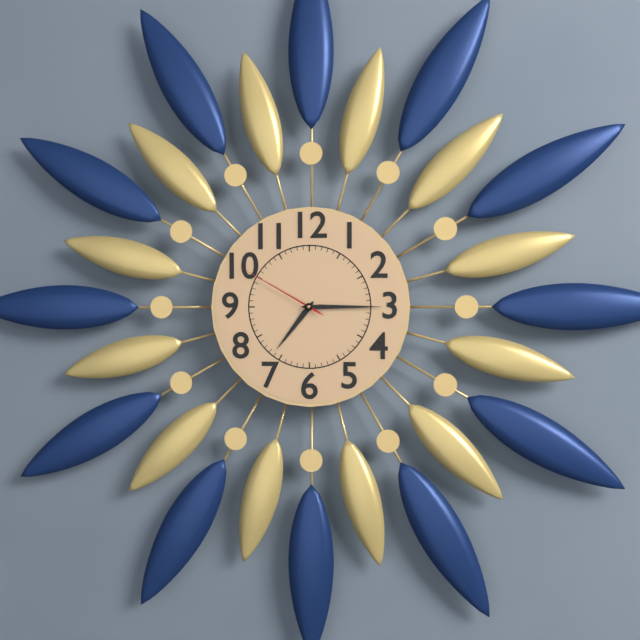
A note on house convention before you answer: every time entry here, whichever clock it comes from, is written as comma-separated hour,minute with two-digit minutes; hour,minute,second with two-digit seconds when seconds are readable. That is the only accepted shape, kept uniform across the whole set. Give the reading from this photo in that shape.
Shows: 7,15,50
